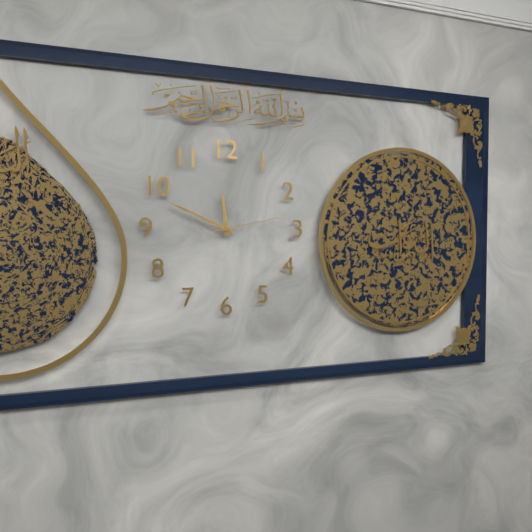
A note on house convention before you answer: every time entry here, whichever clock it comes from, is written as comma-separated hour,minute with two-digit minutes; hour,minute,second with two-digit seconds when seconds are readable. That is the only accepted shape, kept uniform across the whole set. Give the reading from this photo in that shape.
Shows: 11,49,13
